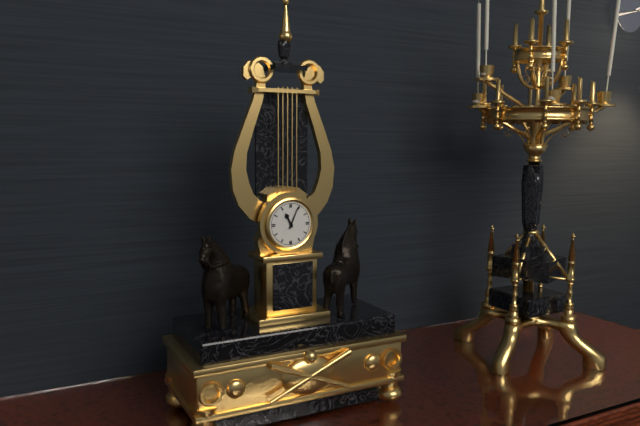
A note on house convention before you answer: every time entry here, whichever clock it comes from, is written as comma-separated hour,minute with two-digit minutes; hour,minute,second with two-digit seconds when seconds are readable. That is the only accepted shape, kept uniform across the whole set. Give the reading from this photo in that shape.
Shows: 11,04
